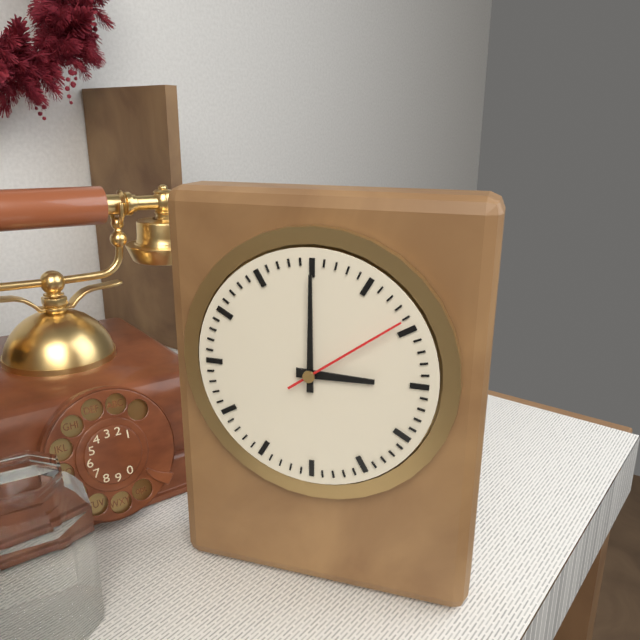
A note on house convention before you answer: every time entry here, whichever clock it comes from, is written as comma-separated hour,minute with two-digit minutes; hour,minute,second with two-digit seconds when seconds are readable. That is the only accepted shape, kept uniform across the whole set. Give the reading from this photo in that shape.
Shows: 3,00,09
